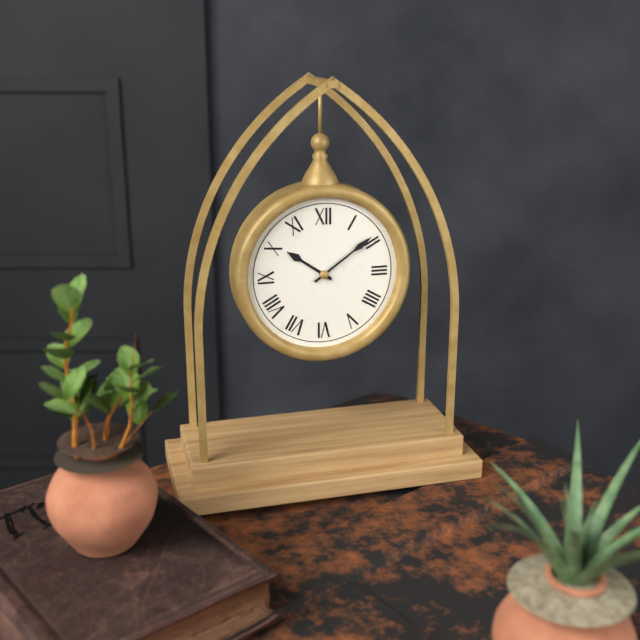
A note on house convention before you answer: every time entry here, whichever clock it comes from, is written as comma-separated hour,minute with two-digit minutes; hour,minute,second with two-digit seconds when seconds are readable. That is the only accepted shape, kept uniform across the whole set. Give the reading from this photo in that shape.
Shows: 10,09
